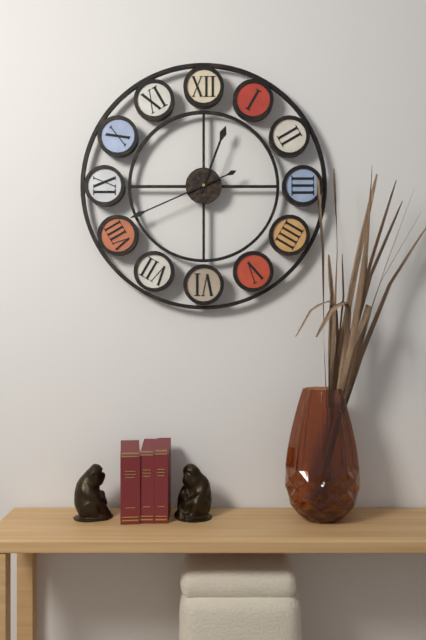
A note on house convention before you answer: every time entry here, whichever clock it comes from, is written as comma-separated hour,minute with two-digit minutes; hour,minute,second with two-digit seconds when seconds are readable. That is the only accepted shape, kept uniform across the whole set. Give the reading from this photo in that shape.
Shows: 12,41
